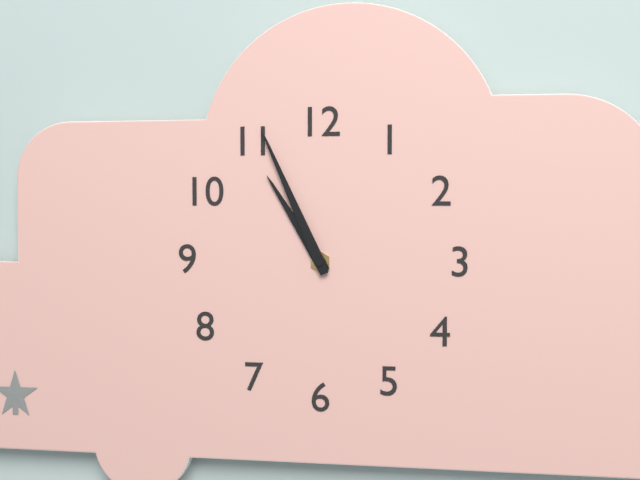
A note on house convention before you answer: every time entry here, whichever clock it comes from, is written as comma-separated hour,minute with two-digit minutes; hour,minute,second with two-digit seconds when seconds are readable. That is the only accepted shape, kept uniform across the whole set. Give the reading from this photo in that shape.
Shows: 10,56
